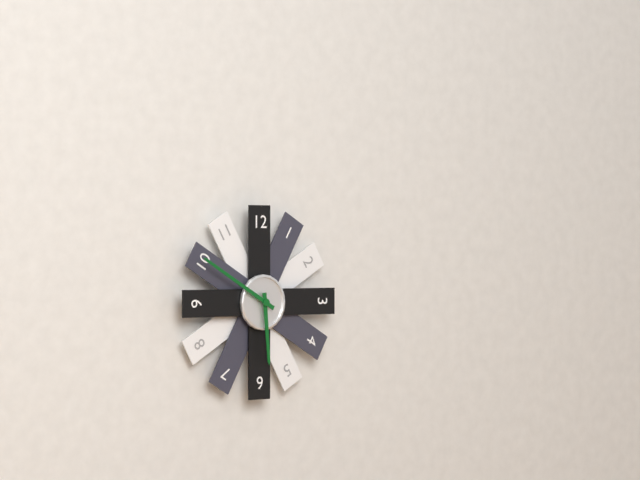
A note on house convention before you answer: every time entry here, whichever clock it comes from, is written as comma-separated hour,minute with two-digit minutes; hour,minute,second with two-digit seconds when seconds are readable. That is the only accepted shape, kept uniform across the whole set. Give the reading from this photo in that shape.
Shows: 5,50
